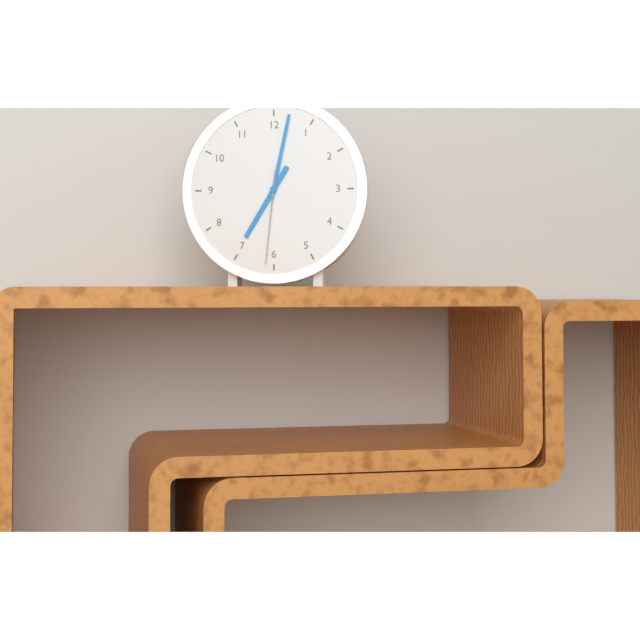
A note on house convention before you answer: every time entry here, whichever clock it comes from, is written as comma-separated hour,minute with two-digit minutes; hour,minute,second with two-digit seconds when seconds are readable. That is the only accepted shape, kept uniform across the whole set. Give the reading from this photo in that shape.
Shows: 7,02,31
